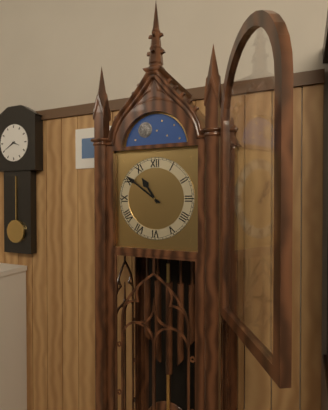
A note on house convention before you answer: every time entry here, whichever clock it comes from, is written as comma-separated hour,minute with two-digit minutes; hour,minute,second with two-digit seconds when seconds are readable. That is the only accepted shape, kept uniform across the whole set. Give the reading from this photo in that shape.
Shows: 10,51
